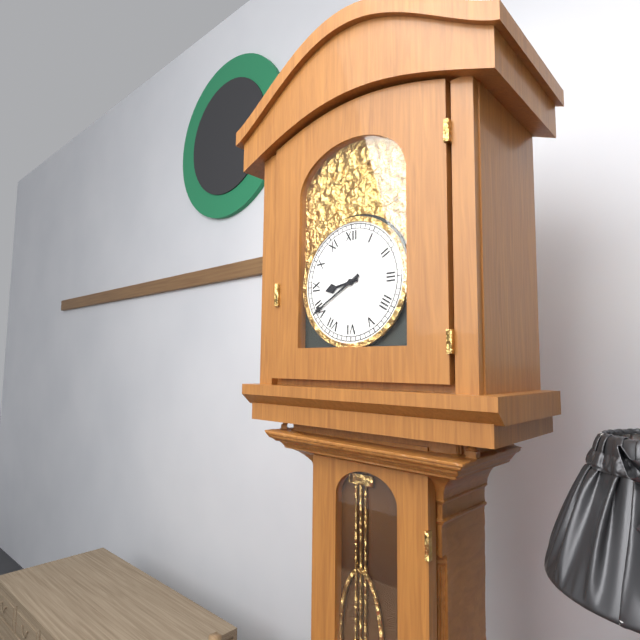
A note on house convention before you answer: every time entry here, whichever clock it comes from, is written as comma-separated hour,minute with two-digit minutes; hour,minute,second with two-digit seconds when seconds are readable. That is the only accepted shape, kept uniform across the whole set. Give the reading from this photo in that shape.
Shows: 8,40
